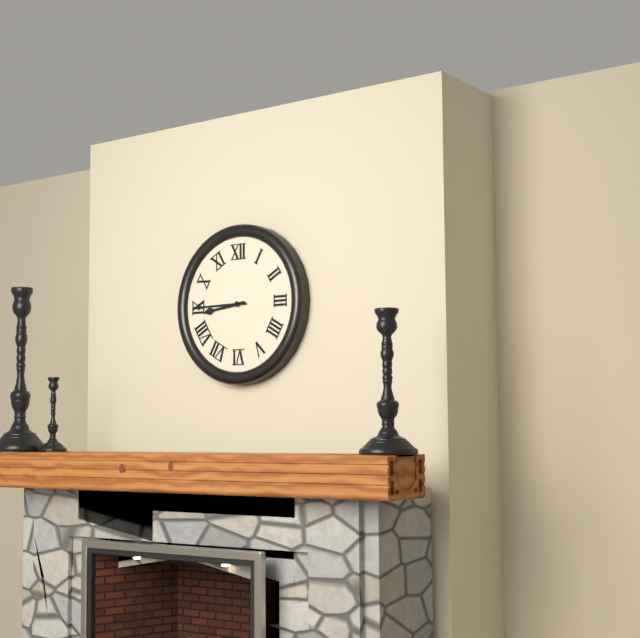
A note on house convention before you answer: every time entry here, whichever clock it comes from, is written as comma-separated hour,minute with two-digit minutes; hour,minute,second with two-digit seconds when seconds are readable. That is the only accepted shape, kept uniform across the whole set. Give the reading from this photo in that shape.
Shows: 8,45
